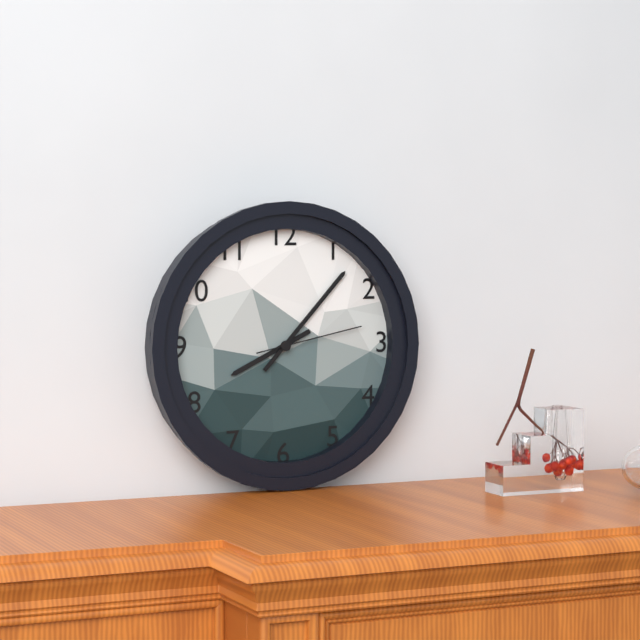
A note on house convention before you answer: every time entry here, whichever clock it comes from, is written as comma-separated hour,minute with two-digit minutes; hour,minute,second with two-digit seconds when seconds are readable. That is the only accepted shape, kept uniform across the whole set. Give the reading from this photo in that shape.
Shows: 8,07,13
